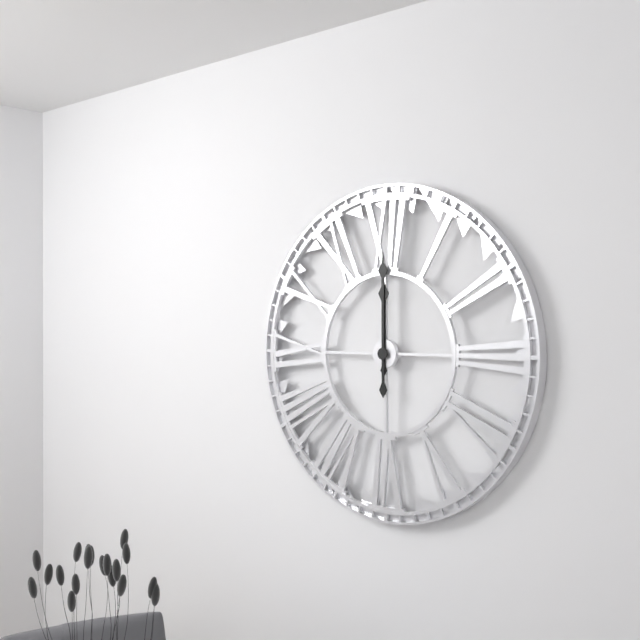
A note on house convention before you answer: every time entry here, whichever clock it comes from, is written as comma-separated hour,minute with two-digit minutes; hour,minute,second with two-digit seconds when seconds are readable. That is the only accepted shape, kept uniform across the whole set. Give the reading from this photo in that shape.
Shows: 12,00
